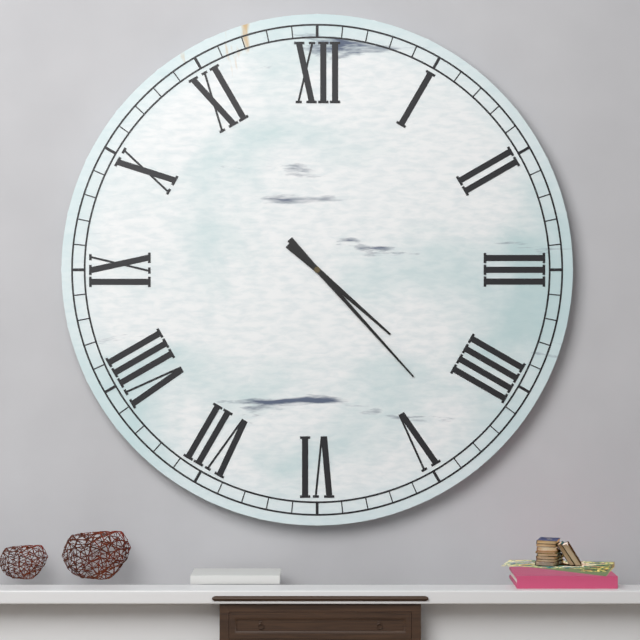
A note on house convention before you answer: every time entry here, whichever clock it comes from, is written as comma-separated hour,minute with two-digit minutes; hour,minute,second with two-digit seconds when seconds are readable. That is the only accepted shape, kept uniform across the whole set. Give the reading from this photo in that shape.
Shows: 4,23
